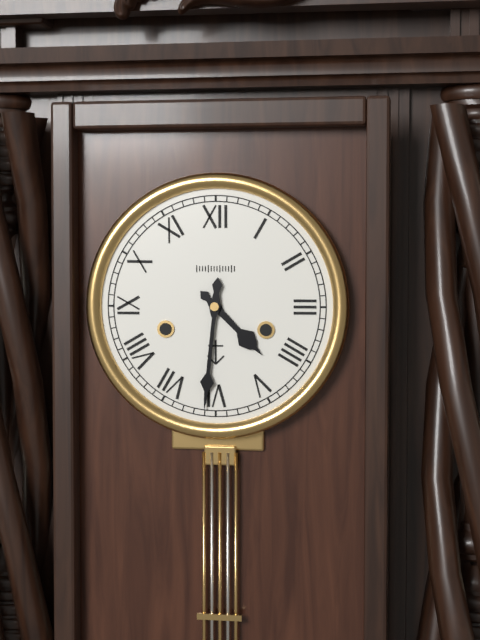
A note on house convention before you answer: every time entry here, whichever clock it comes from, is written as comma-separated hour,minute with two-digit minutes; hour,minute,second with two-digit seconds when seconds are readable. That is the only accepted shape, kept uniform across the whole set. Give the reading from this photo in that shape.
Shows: 4,31
